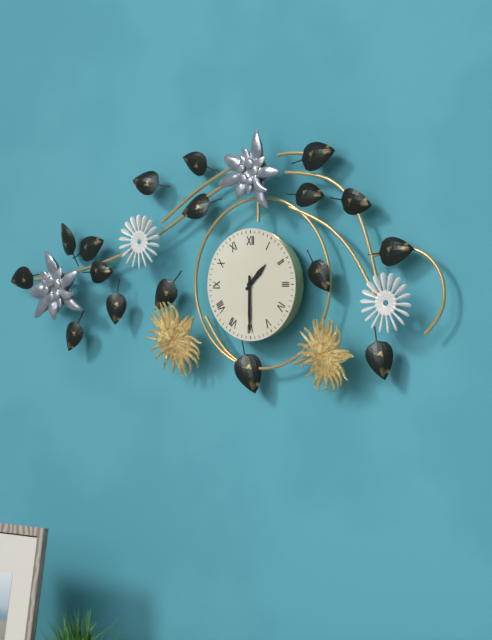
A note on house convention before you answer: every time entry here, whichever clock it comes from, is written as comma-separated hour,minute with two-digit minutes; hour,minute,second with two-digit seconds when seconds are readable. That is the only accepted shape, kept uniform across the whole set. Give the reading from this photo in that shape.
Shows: 1,30
